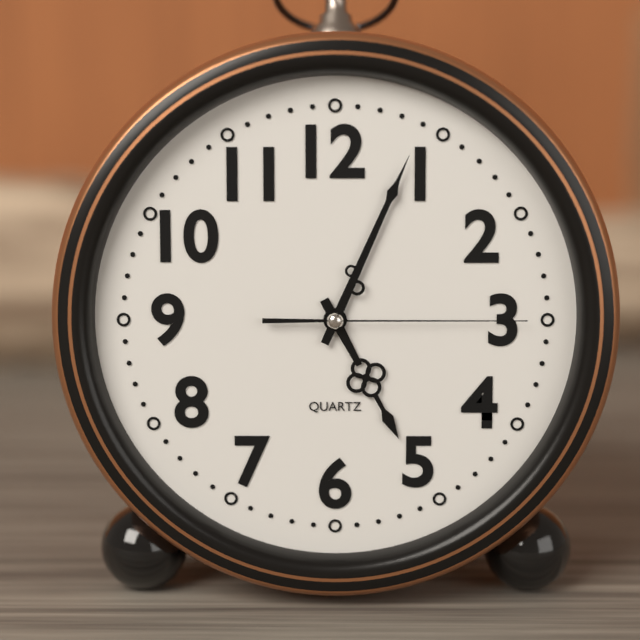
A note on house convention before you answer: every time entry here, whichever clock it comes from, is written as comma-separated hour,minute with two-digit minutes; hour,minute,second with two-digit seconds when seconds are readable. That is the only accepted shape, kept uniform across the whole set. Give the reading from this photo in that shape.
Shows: 5,04,15
